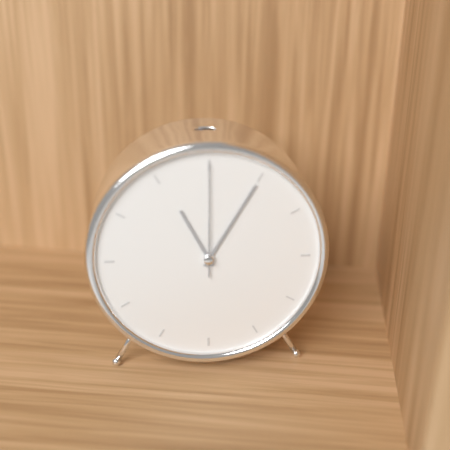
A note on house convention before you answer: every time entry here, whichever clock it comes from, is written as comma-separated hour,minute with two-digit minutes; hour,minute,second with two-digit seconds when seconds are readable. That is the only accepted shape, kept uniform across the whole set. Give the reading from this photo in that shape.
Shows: 11,05,00
